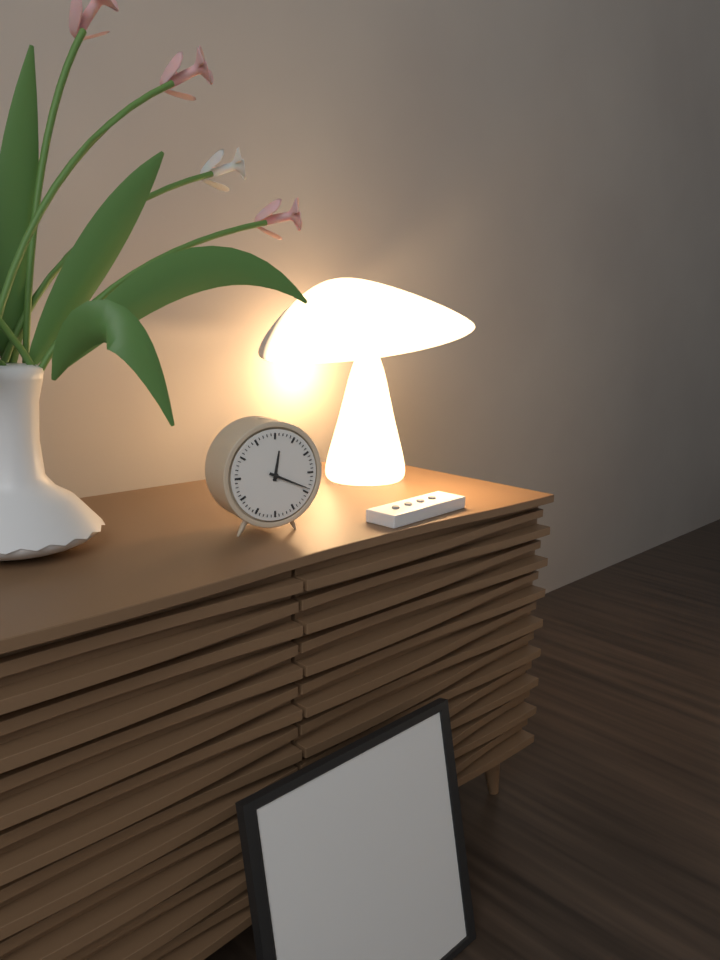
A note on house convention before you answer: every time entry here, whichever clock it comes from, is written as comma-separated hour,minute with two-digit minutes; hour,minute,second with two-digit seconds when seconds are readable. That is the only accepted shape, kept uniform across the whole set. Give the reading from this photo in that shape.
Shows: 12,19
